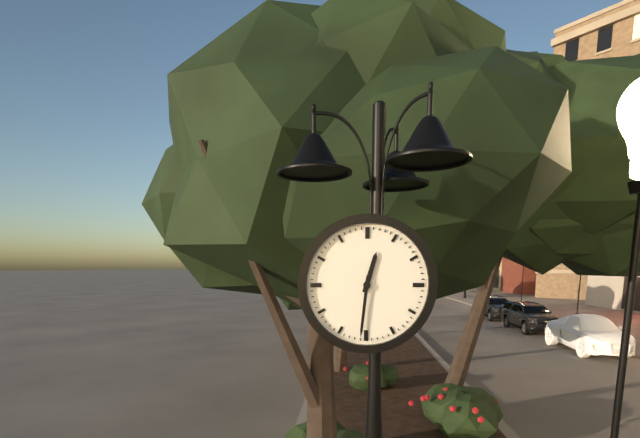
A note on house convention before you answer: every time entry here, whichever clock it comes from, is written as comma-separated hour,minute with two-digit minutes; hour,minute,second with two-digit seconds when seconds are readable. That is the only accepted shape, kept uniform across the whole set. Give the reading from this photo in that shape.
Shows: 12,31
